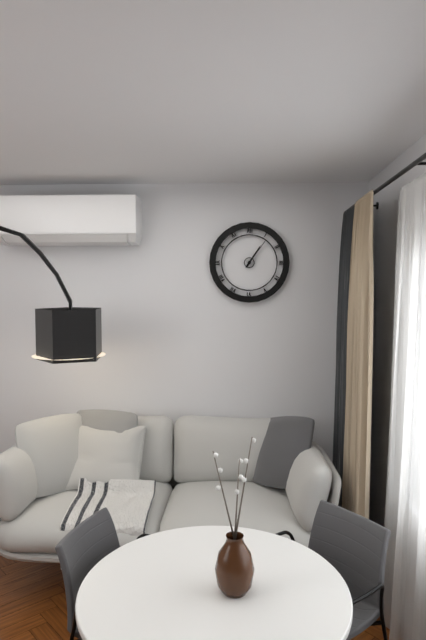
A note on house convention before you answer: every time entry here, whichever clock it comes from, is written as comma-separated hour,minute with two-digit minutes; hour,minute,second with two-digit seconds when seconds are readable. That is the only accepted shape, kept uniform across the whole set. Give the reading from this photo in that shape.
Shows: 1,06
